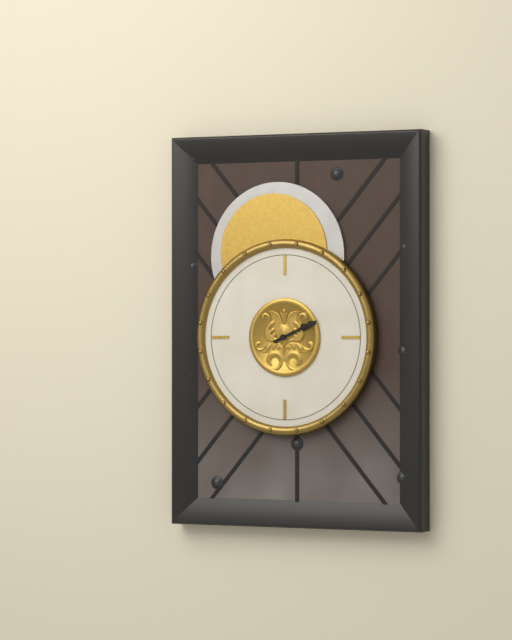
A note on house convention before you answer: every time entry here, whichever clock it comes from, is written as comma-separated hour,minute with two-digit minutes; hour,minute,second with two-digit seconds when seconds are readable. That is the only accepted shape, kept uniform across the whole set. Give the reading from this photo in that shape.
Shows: 2,11
